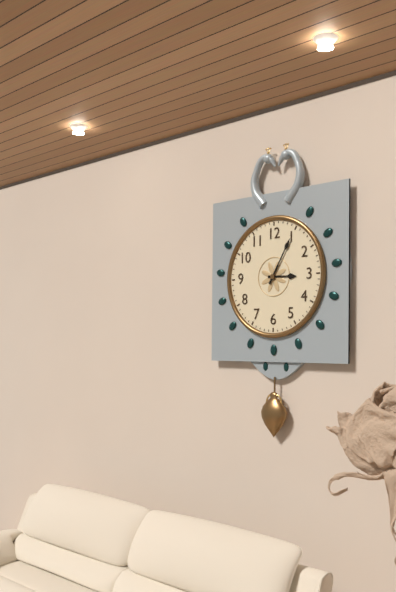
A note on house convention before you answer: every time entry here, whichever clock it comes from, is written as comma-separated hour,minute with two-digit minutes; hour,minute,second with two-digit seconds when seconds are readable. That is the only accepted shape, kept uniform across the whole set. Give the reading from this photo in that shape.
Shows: 3,05
